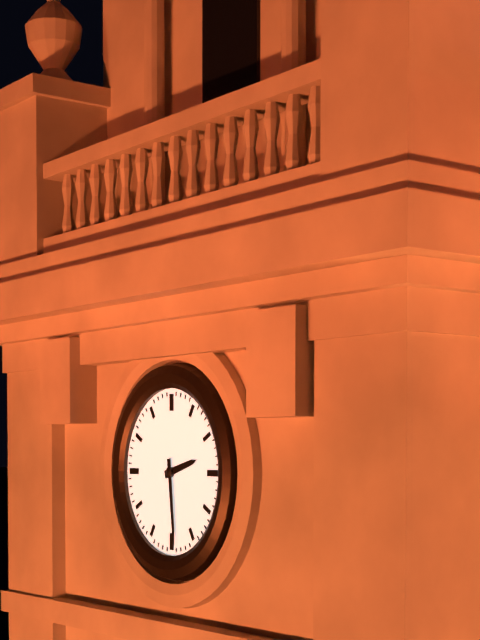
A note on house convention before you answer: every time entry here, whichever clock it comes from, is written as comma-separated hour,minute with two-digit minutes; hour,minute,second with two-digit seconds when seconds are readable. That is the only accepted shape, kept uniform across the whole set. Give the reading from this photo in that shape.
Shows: 2,29
